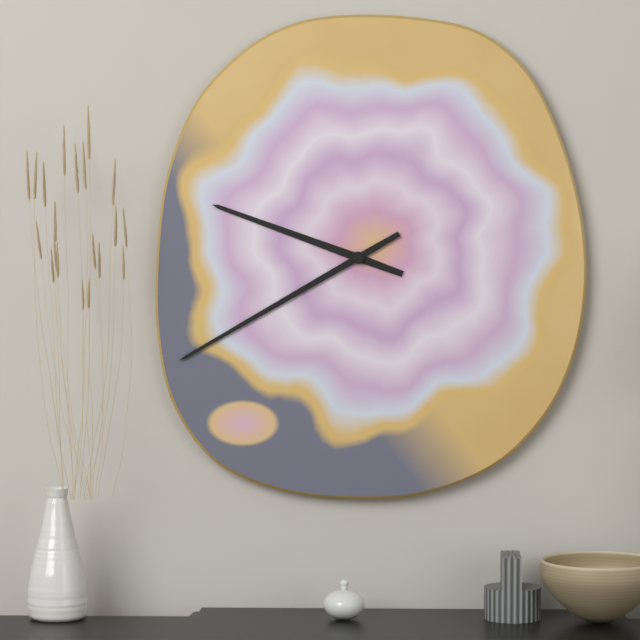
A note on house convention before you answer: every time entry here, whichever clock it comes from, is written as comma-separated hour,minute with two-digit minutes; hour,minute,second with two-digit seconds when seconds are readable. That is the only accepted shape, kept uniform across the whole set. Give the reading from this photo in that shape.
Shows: 9,40
